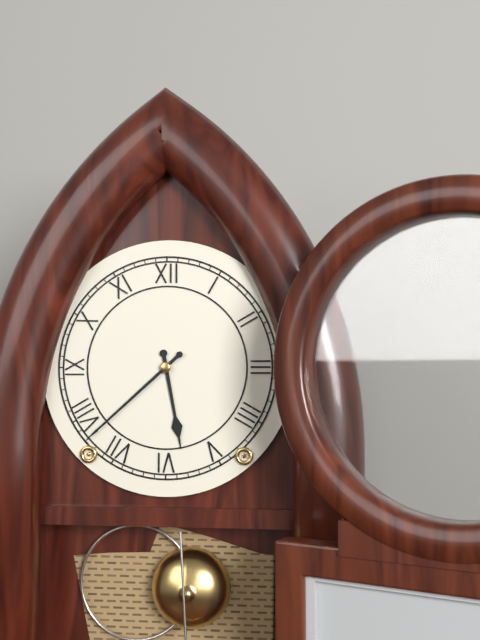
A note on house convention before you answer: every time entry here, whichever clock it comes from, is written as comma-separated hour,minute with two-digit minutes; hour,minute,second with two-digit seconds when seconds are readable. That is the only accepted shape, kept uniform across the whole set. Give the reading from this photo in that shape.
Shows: 5,38
